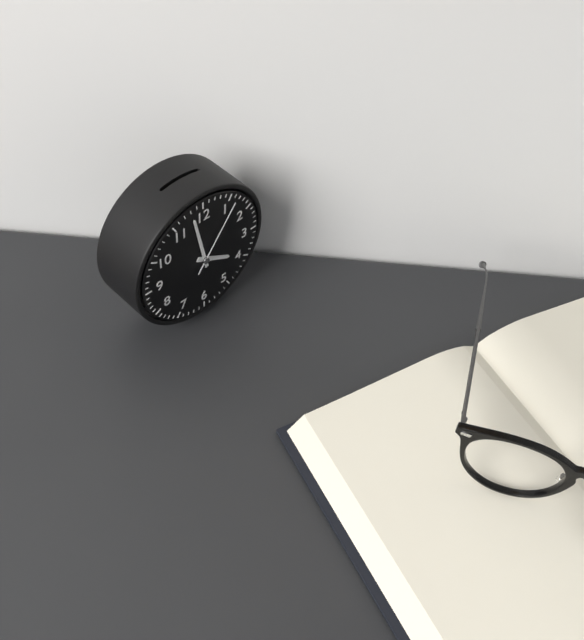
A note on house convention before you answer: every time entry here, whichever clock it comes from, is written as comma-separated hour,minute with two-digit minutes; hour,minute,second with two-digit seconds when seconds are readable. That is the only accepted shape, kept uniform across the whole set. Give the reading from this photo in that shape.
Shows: 3,58,06
